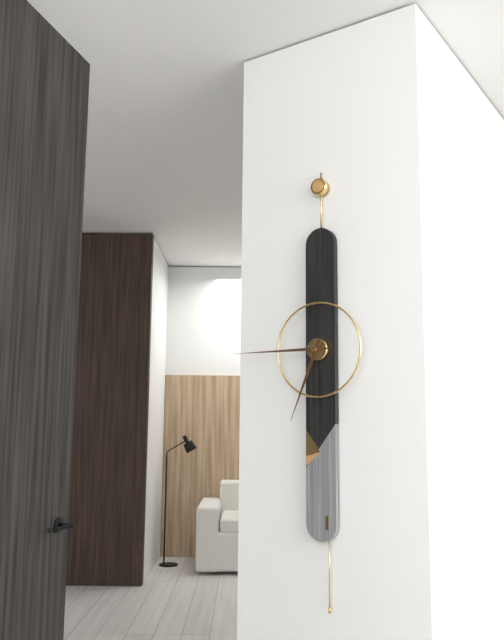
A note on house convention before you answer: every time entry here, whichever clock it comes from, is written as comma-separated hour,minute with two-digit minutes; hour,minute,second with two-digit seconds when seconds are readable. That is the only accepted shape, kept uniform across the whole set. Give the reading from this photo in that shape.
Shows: 6,45
